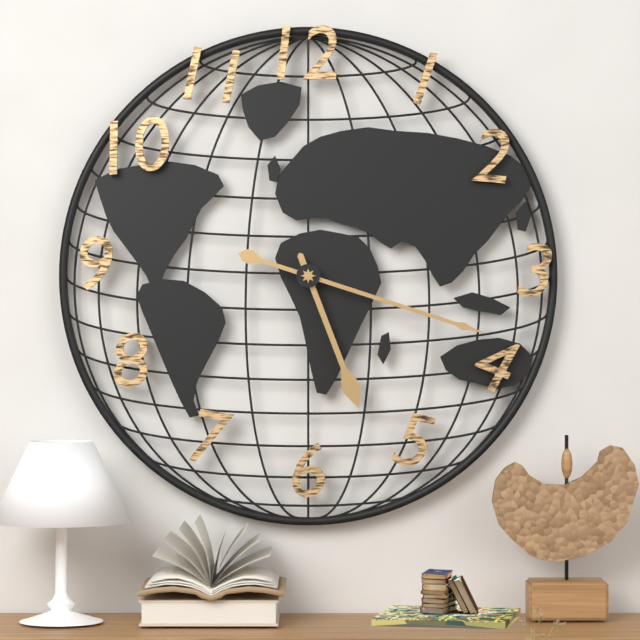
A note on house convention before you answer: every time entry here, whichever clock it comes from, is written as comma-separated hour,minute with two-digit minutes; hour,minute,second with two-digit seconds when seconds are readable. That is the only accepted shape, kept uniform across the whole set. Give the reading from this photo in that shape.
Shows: 5,18
